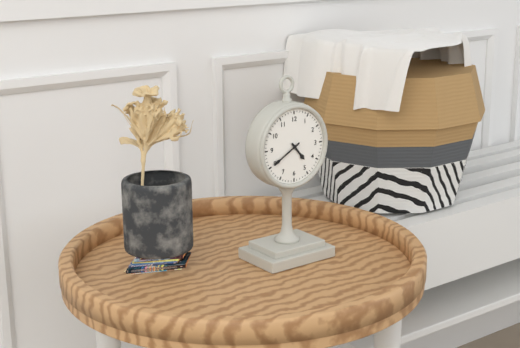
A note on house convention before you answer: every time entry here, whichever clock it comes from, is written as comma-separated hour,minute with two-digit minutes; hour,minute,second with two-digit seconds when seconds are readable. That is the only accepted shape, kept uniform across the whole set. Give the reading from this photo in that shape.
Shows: 4,40
